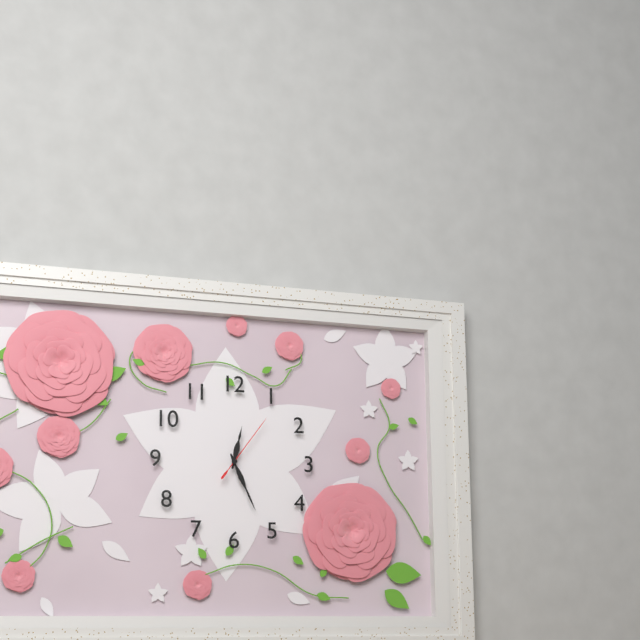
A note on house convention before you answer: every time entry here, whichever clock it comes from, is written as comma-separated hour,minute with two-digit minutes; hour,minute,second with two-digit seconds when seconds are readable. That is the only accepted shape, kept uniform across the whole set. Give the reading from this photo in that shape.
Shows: 12,26,06
